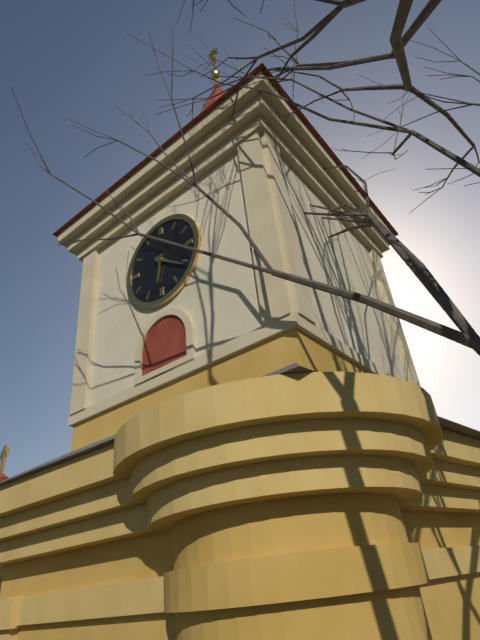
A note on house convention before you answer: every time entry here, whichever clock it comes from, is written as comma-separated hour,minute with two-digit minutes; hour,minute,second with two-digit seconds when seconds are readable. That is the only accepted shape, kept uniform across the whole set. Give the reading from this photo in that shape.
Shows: 6,21
